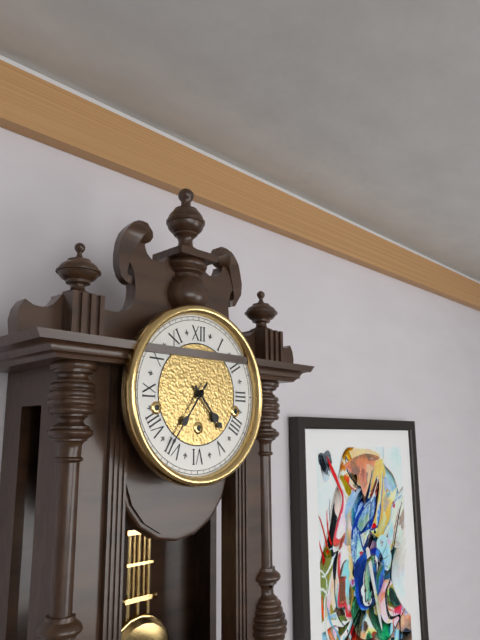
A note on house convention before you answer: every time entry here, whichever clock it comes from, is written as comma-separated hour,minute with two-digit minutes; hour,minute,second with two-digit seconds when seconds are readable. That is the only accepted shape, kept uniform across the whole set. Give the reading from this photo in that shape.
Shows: 4,36
